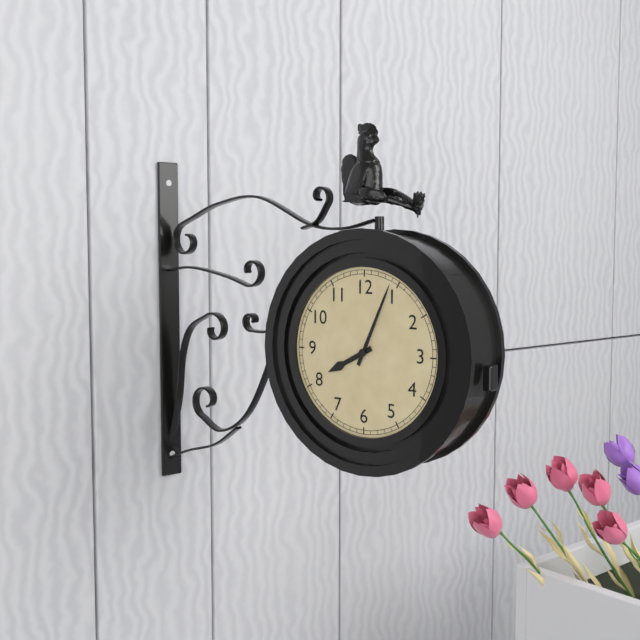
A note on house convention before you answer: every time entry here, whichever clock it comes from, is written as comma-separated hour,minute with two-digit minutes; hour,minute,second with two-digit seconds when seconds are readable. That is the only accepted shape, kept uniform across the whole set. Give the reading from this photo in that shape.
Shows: 8,04
